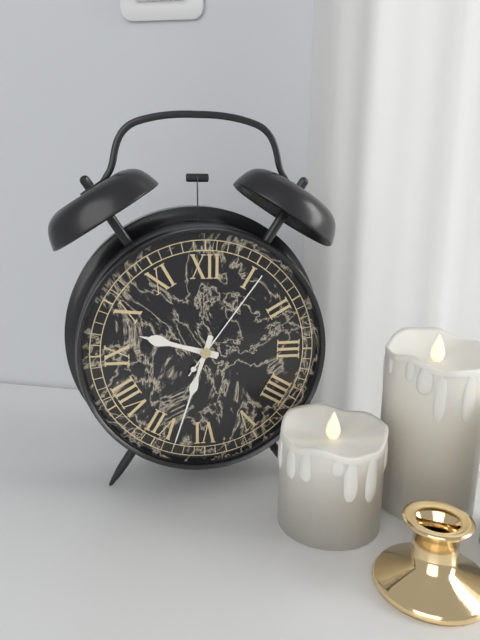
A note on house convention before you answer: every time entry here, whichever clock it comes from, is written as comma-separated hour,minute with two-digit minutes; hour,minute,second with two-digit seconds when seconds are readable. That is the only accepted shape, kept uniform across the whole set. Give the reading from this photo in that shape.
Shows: 9,33,06
